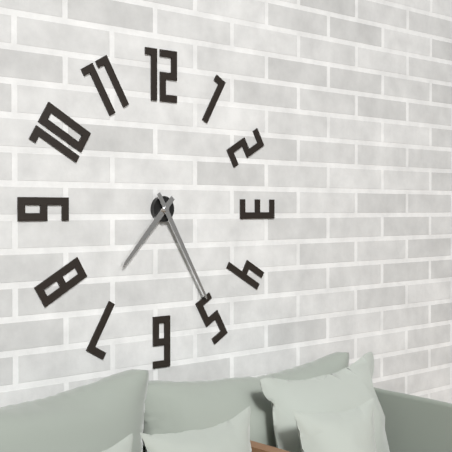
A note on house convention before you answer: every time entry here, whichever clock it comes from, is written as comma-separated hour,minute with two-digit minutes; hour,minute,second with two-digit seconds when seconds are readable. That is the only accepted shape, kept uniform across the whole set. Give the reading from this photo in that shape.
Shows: 7,25
